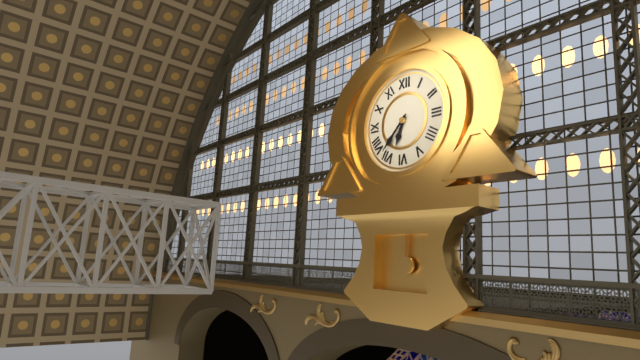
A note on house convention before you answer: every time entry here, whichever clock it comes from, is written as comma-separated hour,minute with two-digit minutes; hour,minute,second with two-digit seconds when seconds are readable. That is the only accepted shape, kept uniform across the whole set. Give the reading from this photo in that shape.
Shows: 6,37
